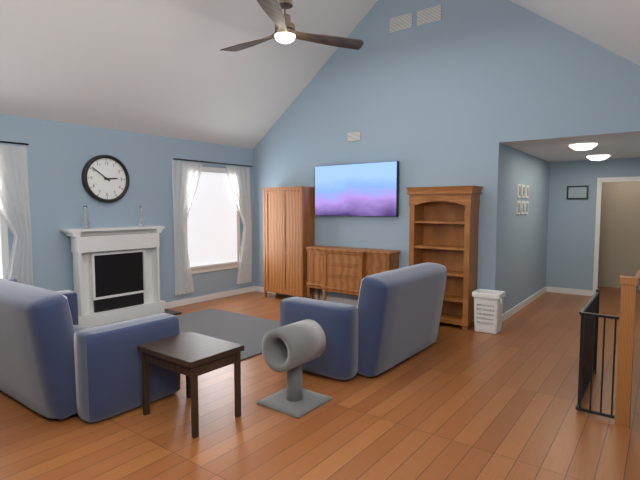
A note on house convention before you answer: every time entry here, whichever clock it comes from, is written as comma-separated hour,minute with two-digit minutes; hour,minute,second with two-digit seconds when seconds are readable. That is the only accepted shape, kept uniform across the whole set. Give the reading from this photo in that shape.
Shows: 2,51
